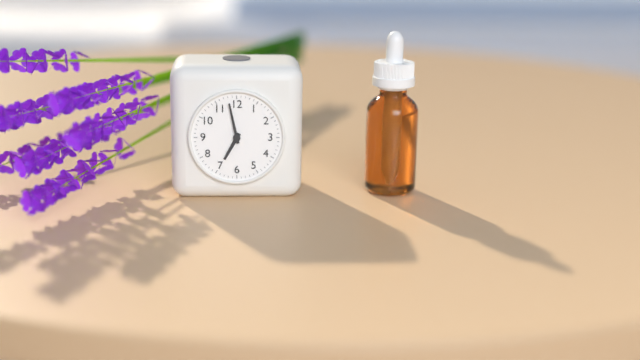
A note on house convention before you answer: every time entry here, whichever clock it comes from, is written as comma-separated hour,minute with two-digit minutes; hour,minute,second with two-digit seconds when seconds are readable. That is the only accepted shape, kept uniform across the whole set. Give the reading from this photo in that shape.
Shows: 6,58
